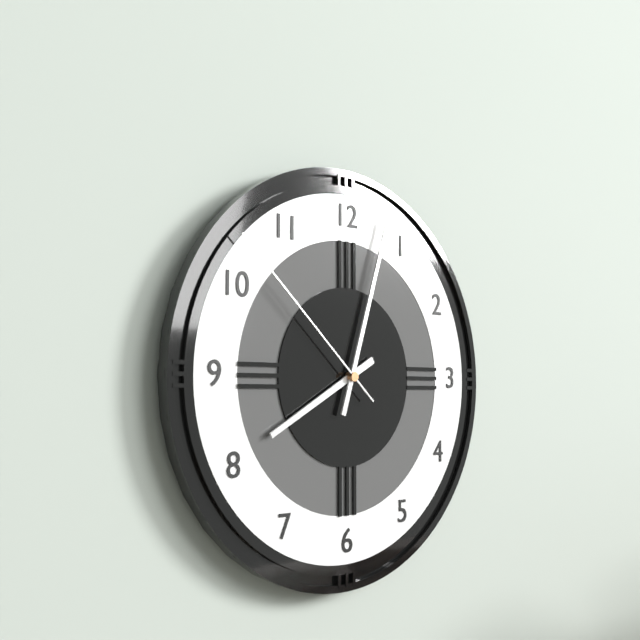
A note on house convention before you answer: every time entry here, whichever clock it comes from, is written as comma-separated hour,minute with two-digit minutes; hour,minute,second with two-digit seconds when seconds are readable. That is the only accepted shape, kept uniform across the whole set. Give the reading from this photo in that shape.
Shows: 8,03,52
